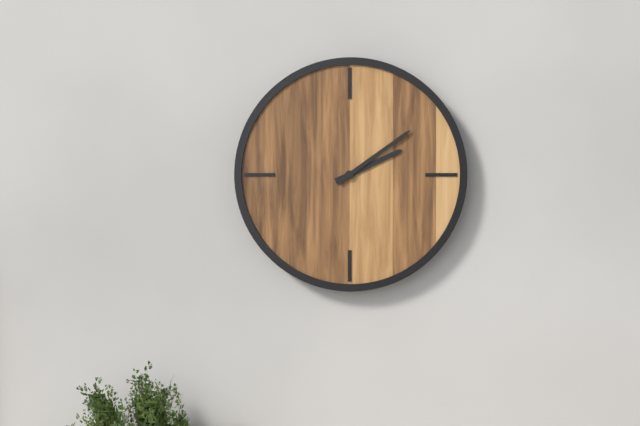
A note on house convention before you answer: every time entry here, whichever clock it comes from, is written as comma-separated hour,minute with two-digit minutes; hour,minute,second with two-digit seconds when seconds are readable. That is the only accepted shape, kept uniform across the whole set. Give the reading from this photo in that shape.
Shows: 2,09
